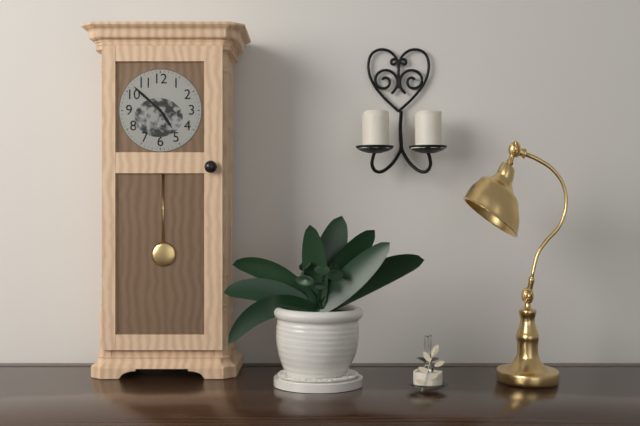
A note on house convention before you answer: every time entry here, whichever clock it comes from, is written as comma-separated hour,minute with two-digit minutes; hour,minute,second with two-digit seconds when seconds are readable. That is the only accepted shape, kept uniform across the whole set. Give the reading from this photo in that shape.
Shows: 4,52
